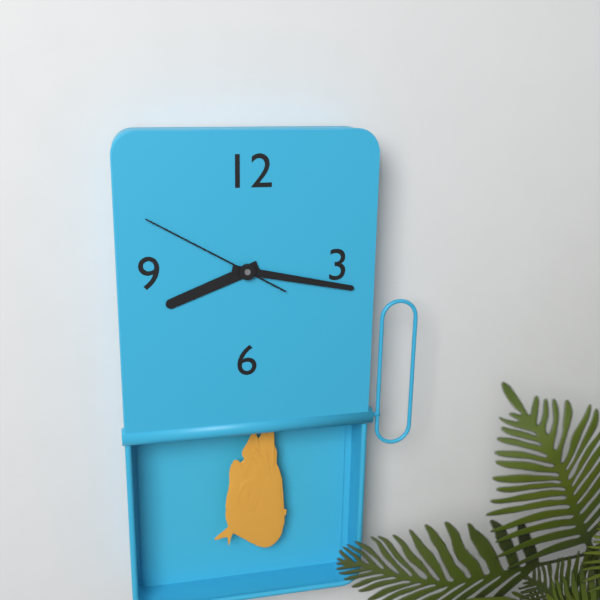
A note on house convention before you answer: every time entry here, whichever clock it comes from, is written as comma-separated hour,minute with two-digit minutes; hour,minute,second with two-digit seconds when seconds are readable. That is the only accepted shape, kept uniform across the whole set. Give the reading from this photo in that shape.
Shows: 8,17,50
